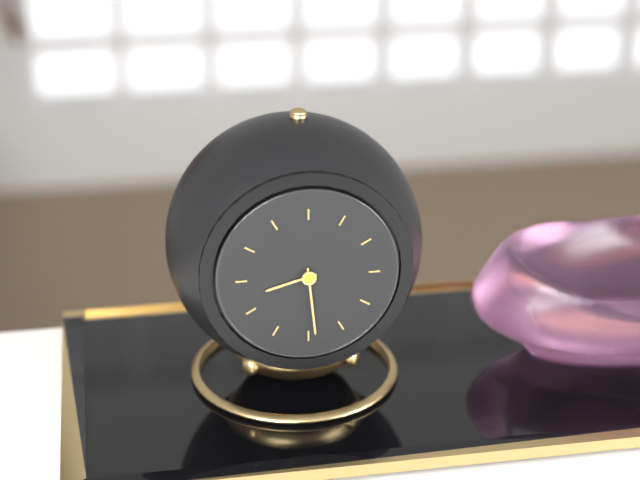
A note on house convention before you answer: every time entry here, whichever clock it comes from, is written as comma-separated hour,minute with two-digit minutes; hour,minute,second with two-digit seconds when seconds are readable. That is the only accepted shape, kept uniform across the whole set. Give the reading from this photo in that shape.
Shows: 8,29
